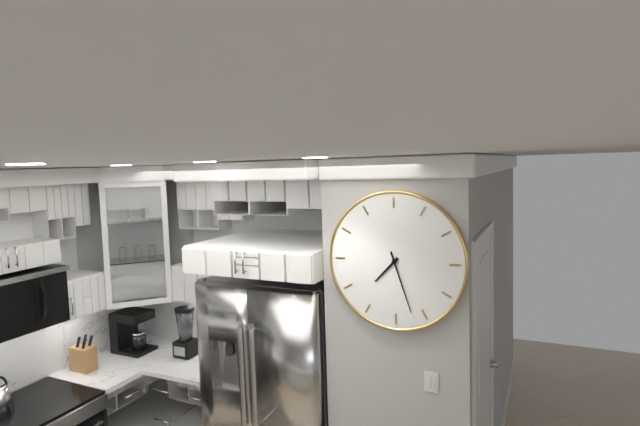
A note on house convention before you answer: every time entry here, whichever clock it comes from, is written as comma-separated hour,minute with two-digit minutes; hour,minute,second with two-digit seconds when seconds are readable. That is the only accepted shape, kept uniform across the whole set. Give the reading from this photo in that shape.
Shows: 7,27
